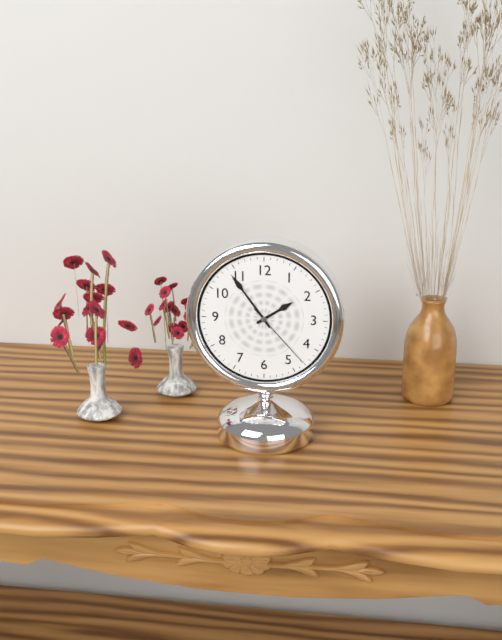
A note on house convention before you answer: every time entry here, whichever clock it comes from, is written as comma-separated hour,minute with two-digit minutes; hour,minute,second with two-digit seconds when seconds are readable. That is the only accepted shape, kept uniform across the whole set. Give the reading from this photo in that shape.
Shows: 1,54,23
